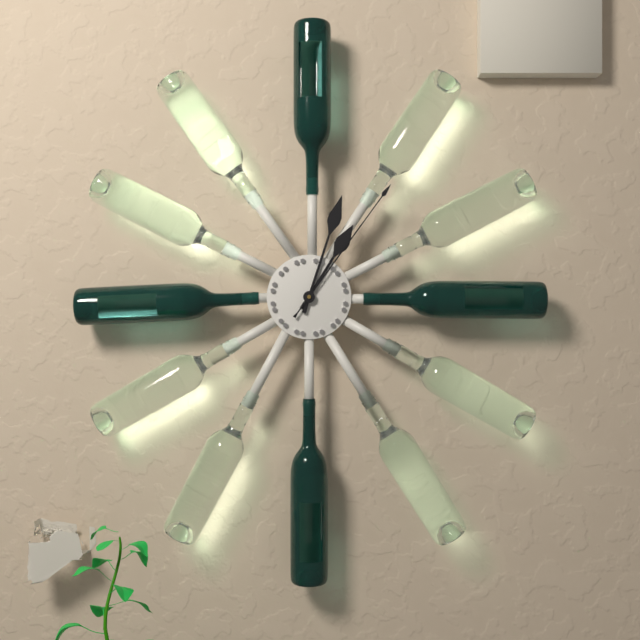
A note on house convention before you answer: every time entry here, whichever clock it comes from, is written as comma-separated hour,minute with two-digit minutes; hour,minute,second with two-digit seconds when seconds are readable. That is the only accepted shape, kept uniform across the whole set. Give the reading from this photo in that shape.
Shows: 1,03,06
